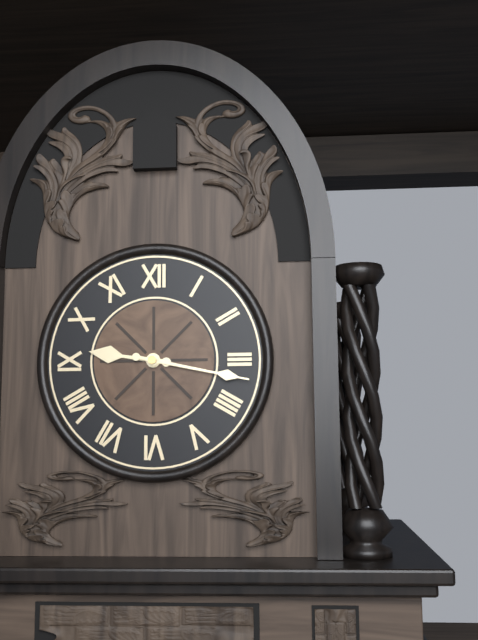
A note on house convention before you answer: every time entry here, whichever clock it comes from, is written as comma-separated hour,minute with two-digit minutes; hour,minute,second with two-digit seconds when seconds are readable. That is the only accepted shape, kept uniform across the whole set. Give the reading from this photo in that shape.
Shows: 9,17
